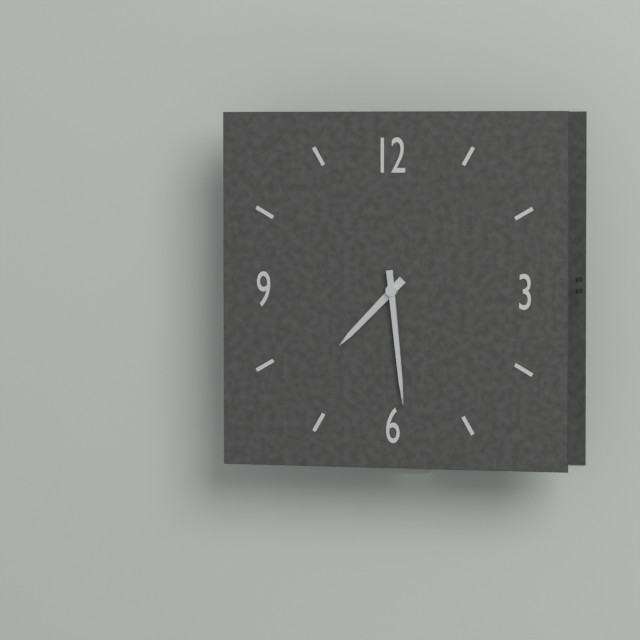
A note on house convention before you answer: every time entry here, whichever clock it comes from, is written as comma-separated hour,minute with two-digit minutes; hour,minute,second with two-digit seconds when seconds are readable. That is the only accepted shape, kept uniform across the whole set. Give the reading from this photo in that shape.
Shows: 7,29
